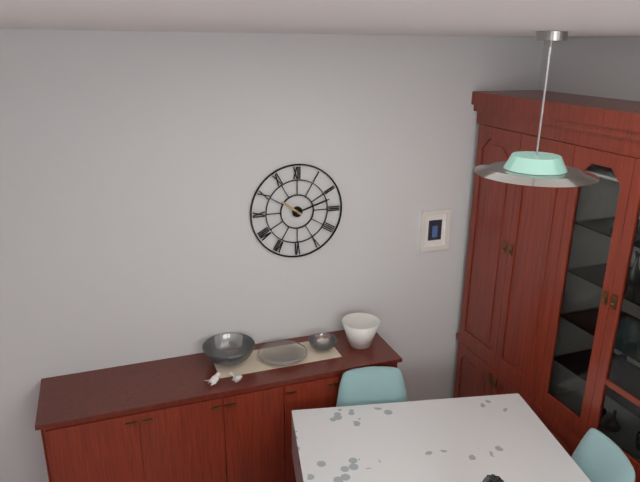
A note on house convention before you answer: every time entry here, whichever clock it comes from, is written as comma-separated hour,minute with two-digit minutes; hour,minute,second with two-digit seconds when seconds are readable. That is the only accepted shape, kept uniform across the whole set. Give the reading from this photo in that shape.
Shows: 10,12
